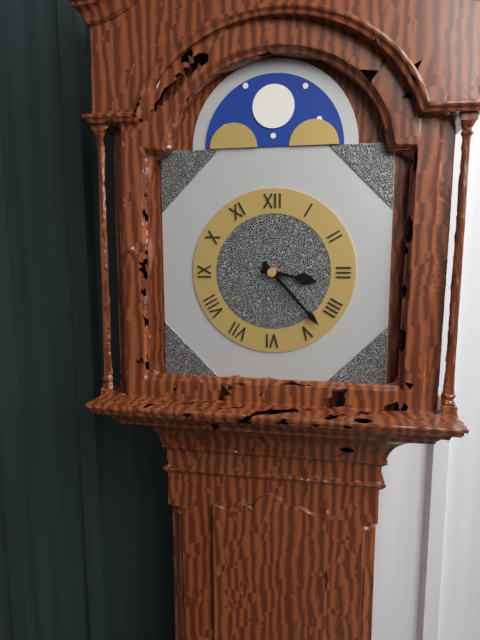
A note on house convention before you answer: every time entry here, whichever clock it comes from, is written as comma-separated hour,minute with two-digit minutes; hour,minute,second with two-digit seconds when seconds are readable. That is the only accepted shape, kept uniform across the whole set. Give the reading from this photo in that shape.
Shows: 3,23
